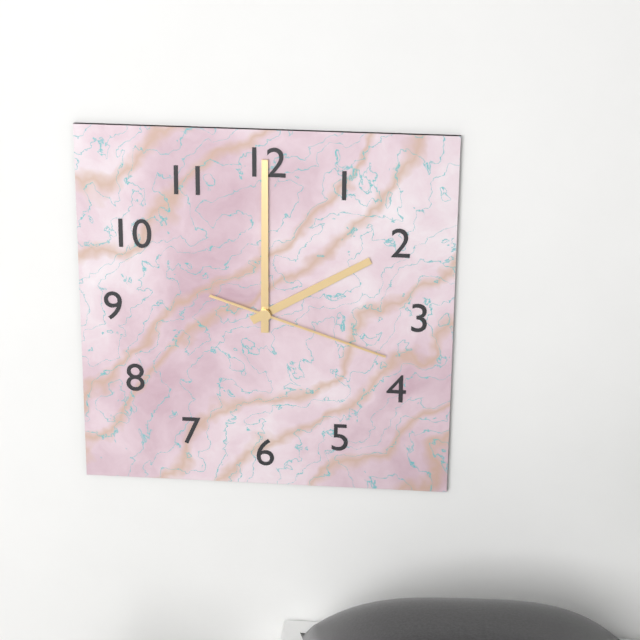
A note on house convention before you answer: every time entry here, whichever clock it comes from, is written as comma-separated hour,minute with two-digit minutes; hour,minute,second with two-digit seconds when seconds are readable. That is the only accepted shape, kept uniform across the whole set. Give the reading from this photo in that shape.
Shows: 2,00,18
